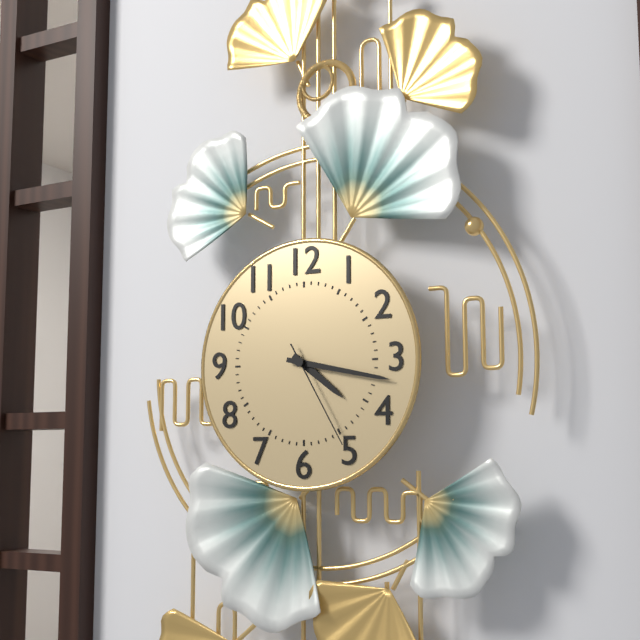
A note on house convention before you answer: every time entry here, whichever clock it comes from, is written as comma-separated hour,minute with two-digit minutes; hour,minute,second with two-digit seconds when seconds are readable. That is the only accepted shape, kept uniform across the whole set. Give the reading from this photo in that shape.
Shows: 4,17,25
